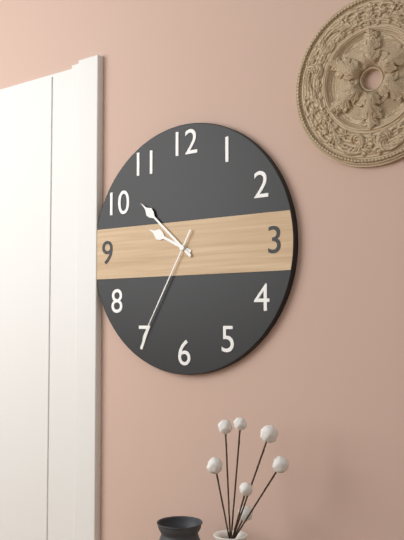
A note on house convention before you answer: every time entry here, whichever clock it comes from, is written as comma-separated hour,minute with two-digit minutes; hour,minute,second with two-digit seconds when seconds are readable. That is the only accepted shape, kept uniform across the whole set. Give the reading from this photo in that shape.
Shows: 9,52,35
